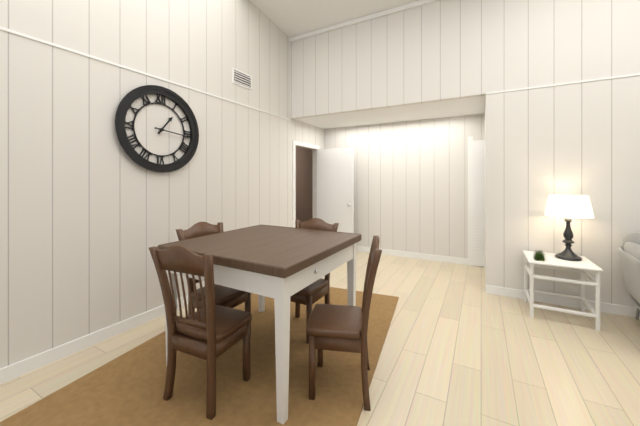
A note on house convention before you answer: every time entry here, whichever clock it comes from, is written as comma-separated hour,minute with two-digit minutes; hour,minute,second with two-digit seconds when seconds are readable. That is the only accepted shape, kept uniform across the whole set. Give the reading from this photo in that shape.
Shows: 1,16
